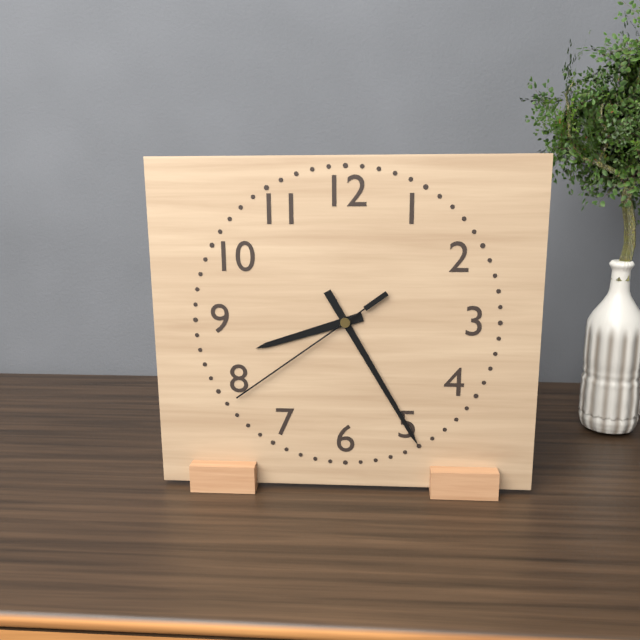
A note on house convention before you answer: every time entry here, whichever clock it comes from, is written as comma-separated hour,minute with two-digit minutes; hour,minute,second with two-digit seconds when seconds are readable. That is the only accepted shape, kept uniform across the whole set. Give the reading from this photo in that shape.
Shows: 8,25,39
